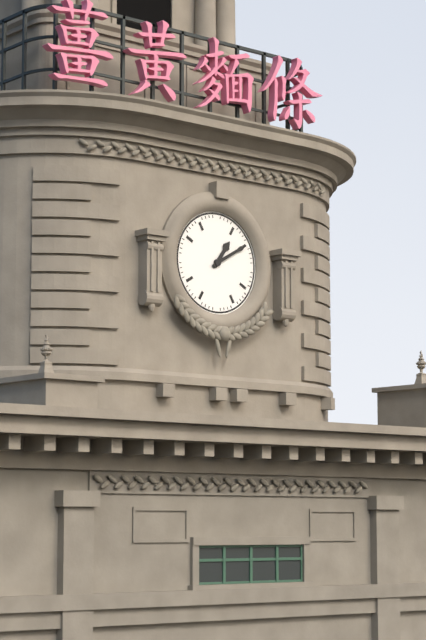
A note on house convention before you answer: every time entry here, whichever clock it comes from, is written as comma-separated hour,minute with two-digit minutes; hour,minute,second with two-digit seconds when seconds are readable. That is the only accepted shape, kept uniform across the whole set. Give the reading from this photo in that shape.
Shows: 1,10
